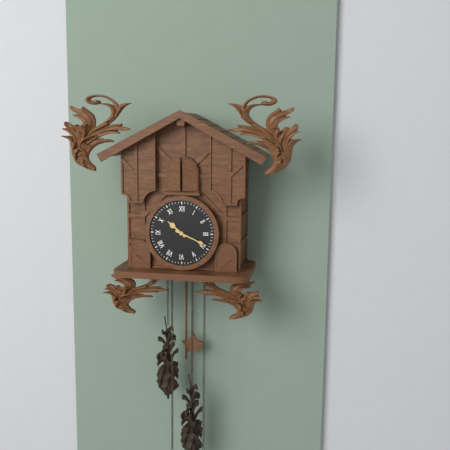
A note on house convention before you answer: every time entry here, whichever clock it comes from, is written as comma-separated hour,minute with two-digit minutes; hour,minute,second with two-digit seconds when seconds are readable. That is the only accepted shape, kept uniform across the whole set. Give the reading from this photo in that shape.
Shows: 10,19
